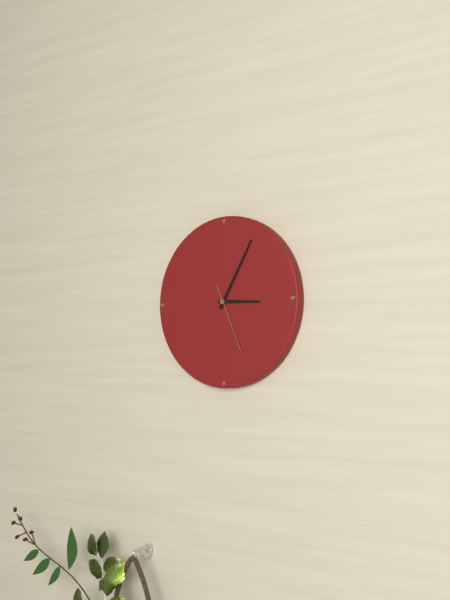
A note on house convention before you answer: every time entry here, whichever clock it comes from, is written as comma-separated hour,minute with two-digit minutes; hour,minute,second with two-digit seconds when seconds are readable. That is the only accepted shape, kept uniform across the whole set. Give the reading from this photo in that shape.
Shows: 3,05,26
